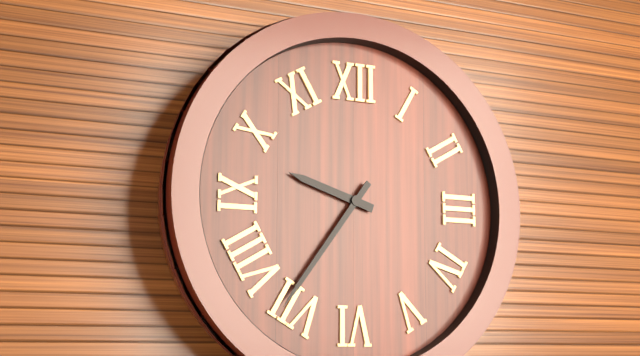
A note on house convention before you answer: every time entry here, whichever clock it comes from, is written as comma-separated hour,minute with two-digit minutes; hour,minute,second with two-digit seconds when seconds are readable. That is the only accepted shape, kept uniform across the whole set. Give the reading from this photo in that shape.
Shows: 9,36
